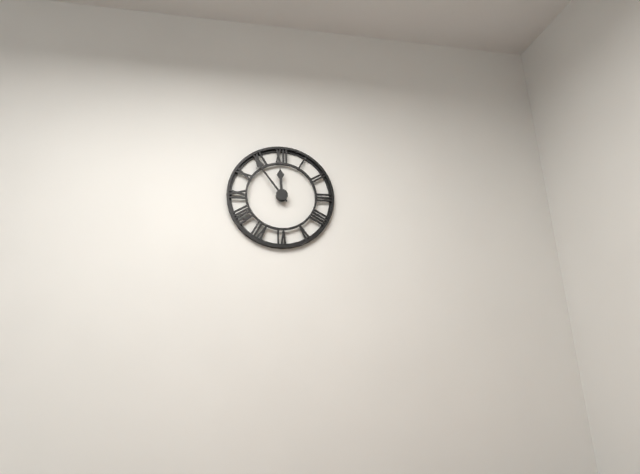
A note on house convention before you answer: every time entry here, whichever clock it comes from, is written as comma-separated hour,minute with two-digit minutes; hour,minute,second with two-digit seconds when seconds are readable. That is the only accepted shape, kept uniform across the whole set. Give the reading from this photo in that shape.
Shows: 11,54
